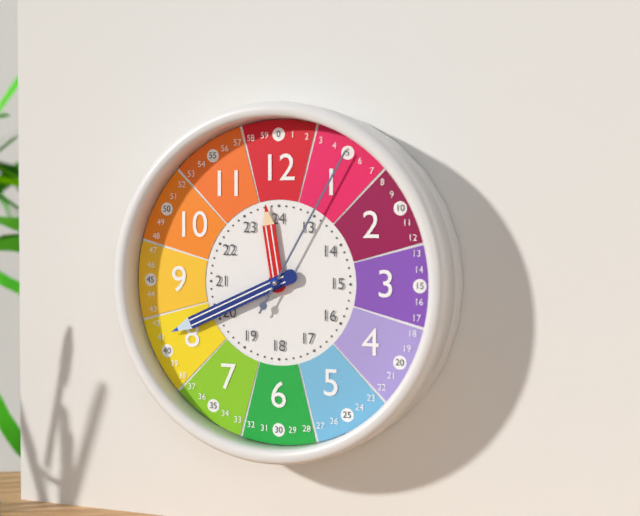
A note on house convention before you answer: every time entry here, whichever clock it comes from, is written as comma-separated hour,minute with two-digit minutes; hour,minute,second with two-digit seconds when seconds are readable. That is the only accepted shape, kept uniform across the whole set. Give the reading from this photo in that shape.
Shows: 11,41,05
